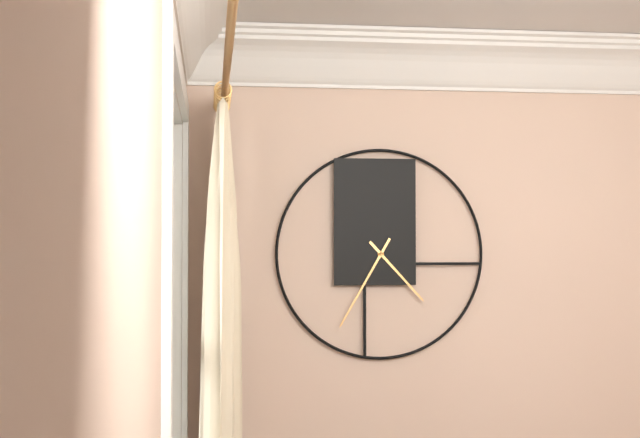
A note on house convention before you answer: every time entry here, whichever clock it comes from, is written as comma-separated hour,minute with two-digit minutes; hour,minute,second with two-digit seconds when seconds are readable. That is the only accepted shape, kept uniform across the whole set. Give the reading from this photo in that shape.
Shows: 4,35
